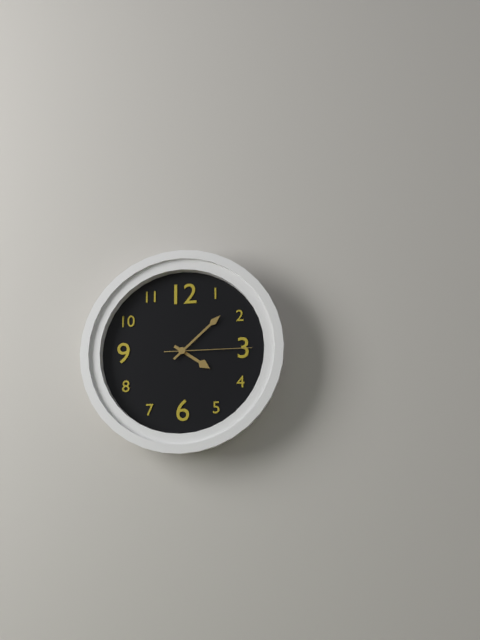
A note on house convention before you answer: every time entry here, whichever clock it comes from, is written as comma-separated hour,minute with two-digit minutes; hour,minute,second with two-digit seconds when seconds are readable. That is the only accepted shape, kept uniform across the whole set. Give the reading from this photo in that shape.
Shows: 4,08,15
